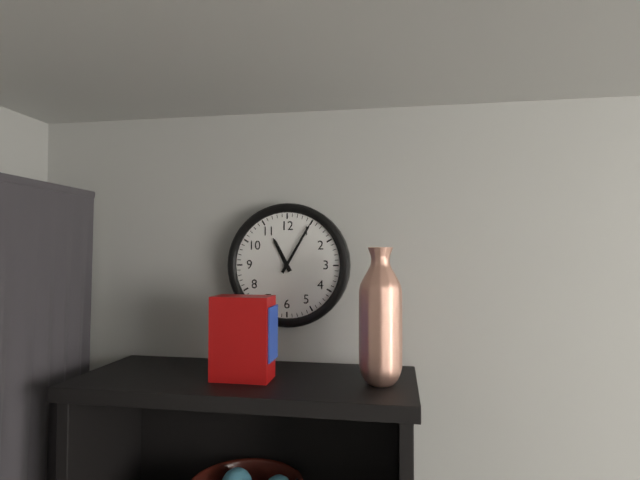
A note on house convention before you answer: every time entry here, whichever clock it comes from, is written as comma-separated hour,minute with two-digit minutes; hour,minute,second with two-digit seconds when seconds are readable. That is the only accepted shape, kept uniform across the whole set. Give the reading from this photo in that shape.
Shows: 11,05
